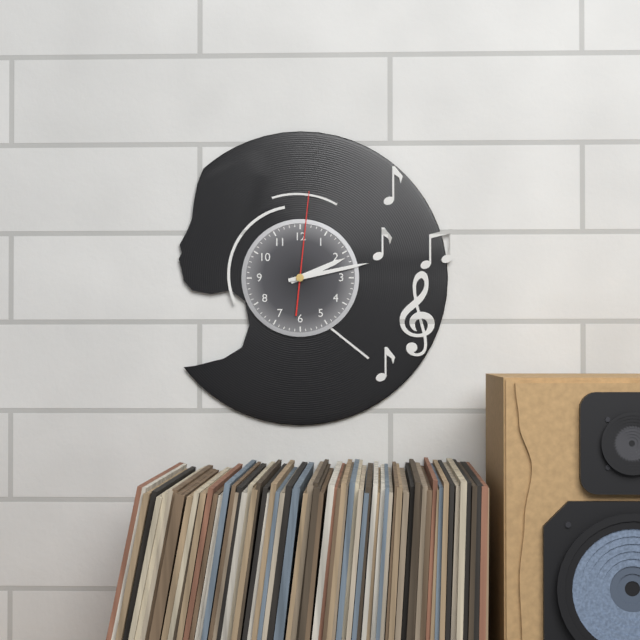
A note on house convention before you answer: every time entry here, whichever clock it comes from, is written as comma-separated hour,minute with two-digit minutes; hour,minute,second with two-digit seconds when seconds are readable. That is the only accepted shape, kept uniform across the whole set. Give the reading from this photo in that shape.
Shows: 2,13,01
